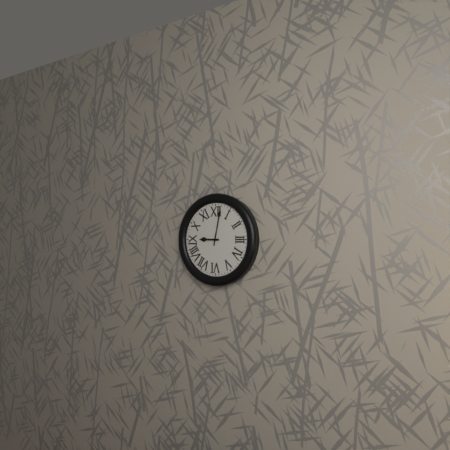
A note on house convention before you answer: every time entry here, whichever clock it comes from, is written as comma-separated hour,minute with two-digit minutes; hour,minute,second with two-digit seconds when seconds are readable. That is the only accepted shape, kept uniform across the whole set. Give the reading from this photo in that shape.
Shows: 9,02
